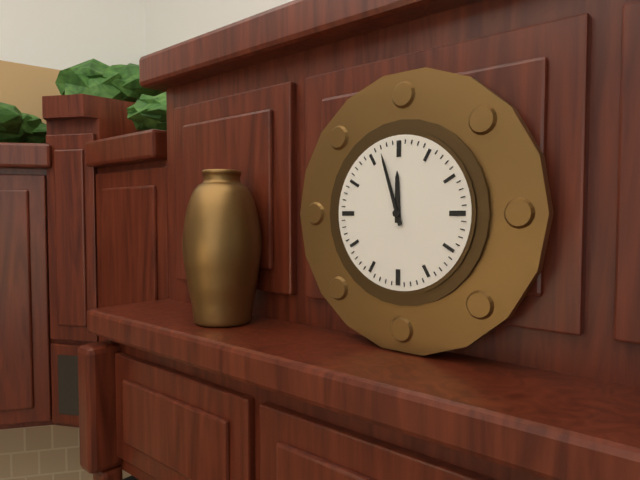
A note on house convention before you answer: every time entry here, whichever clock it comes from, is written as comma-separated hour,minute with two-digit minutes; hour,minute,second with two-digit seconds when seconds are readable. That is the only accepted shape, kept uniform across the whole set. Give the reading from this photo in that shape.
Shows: 11,57
